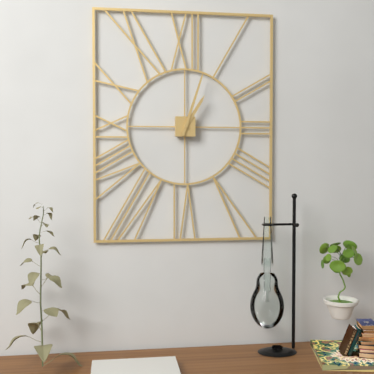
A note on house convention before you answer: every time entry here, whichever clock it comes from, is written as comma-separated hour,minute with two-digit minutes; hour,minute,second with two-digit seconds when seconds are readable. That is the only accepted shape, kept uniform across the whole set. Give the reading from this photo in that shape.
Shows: 1,03
